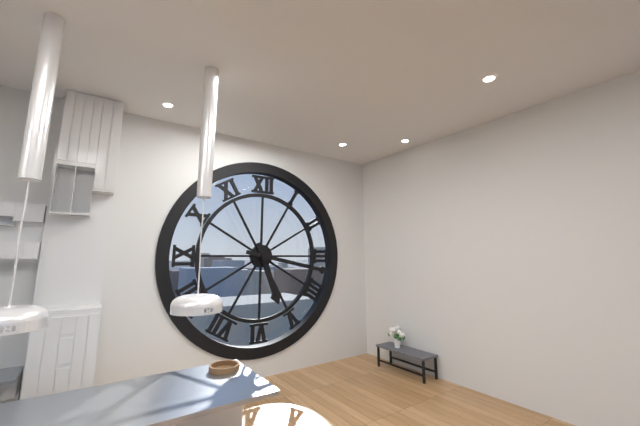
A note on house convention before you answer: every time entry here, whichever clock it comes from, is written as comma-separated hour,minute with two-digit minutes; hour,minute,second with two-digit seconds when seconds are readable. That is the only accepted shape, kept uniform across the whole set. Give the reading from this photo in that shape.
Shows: 5,17
